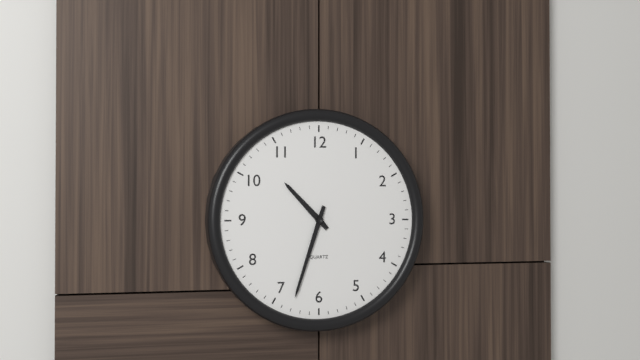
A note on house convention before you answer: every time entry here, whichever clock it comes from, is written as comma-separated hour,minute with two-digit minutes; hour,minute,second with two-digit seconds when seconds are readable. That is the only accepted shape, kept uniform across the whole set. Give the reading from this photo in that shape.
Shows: 10,33
